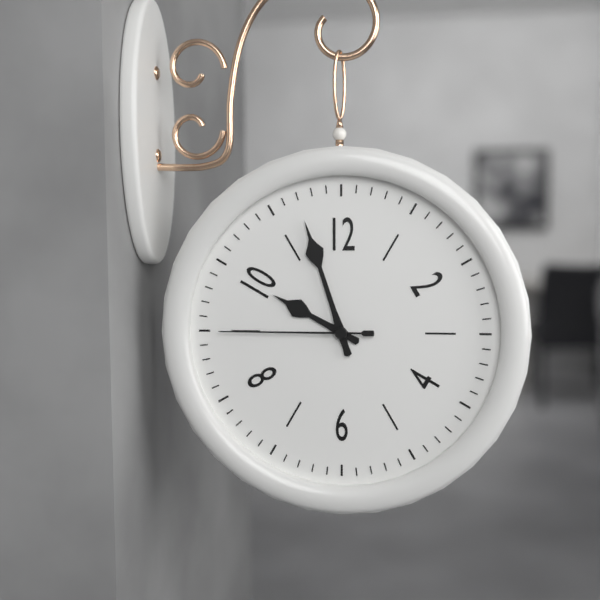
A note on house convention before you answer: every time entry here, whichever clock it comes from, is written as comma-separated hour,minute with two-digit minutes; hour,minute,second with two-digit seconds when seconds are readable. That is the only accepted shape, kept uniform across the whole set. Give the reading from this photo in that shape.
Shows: 9,57,45
